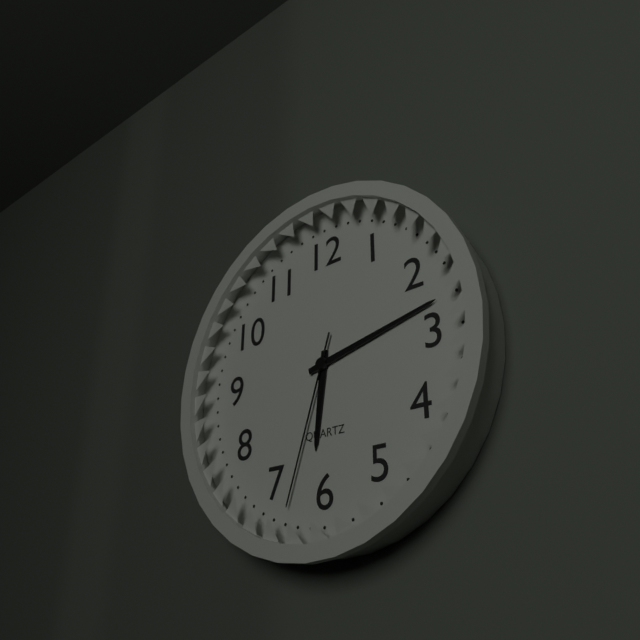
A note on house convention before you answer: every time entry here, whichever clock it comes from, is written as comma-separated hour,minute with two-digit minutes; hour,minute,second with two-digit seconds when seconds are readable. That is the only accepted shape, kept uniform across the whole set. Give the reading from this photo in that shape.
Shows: 6,13,33
